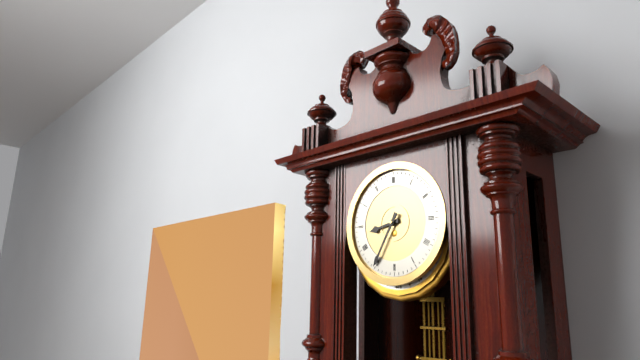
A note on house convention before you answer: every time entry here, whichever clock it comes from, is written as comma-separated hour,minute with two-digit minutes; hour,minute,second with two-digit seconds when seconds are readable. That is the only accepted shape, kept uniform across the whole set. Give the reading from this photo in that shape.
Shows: 8,35
